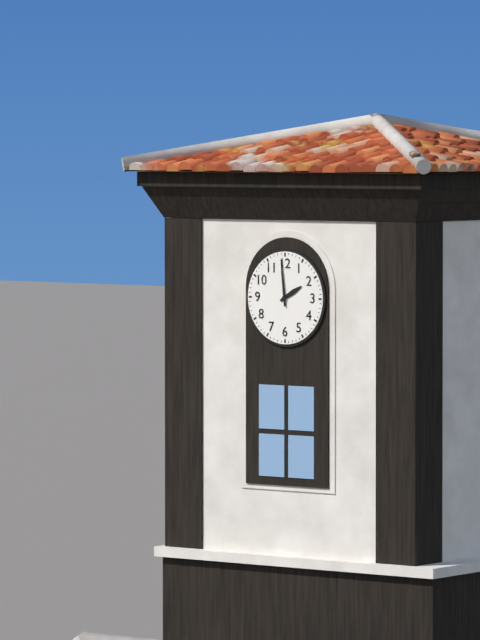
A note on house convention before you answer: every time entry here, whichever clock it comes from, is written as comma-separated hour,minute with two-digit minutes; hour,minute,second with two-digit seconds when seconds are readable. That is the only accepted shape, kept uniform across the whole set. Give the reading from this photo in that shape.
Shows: 1,59
